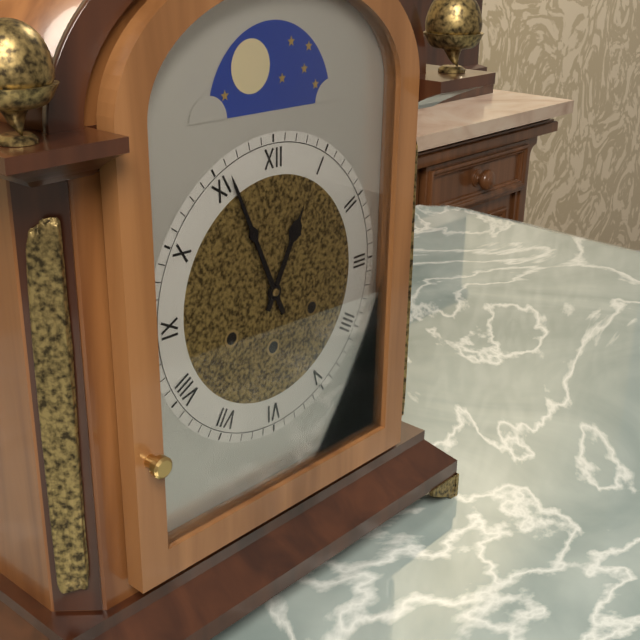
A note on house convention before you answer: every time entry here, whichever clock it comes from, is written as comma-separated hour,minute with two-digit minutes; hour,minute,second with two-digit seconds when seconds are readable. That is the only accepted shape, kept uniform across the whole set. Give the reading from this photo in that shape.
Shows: 12,56
